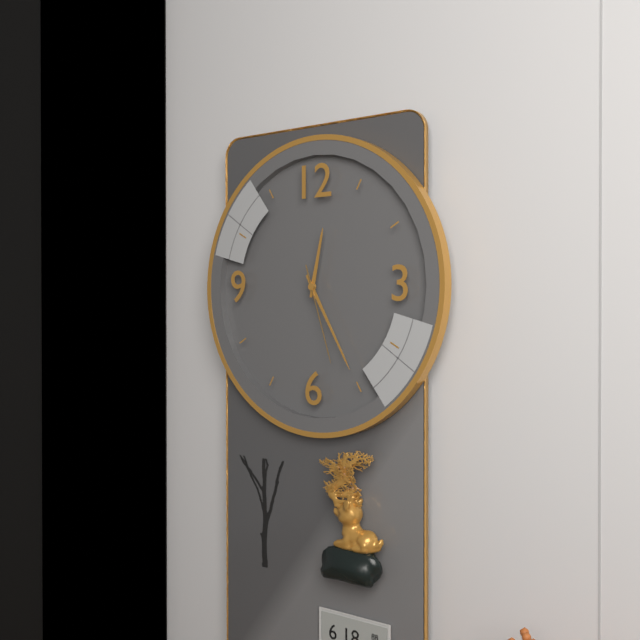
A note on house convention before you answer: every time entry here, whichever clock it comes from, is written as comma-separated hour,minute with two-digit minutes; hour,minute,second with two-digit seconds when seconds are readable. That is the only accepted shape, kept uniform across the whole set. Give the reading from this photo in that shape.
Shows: 12,25,27
